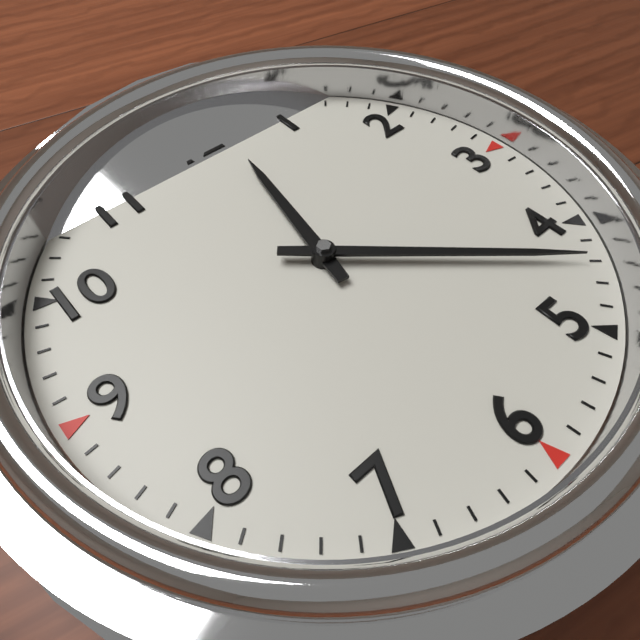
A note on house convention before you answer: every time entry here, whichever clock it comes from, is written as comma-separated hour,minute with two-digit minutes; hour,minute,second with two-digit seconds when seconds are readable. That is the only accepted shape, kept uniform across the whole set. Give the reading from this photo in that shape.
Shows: 12,22
